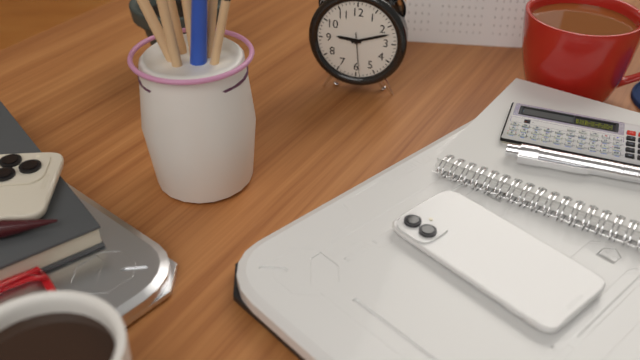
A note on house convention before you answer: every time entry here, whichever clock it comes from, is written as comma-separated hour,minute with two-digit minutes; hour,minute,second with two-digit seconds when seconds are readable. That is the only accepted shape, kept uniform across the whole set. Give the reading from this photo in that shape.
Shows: 9,12
